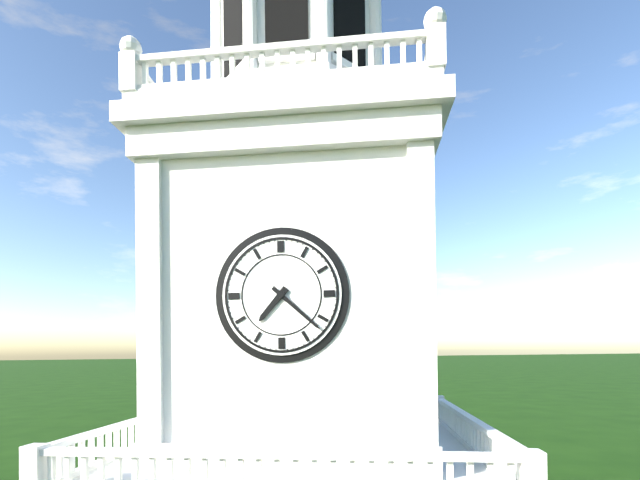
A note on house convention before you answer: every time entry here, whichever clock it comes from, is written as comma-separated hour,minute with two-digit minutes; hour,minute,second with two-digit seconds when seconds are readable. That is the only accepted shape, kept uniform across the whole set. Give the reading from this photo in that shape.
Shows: 7,22
